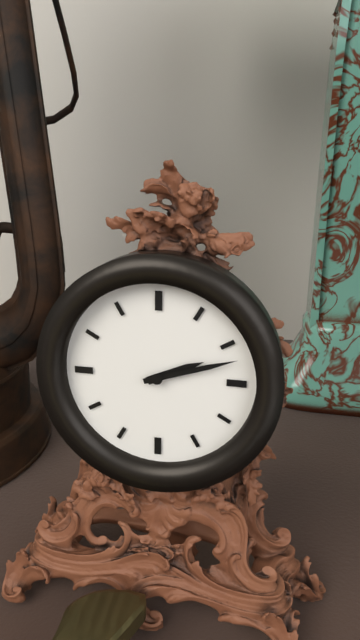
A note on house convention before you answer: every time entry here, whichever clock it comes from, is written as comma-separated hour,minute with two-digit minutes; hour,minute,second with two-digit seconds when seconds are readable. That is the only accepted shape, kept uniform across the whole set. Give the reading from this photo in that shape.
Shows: 2,12
